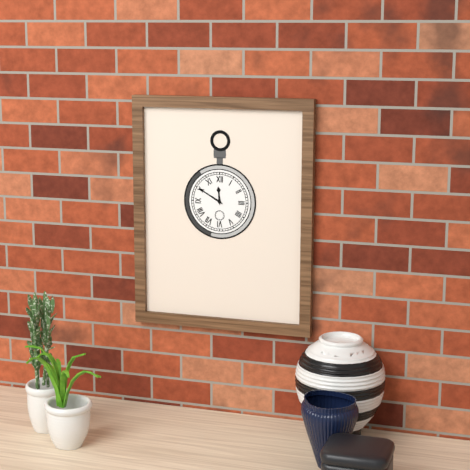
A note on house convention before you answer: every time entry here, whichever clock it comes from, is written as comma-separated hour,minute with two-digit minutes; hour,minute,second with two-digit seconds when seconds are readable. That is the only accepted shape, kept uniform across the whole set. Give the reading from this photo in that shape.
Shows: 11,50
